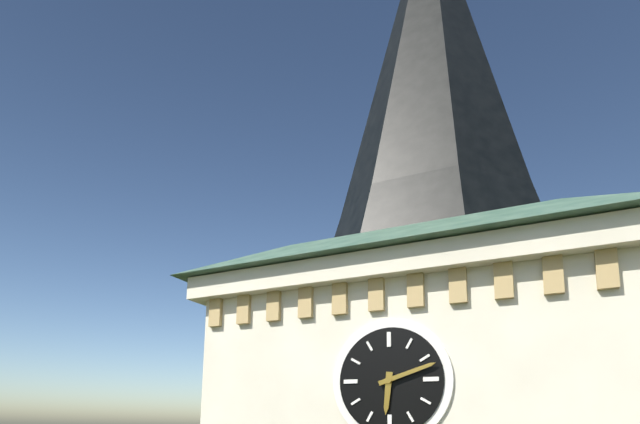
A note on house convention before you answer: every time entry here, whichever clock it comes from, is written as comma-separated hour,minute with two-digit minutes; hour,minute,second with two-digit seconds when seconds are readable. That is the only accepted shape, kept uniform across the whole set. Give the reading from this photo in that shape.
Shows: 6,12
